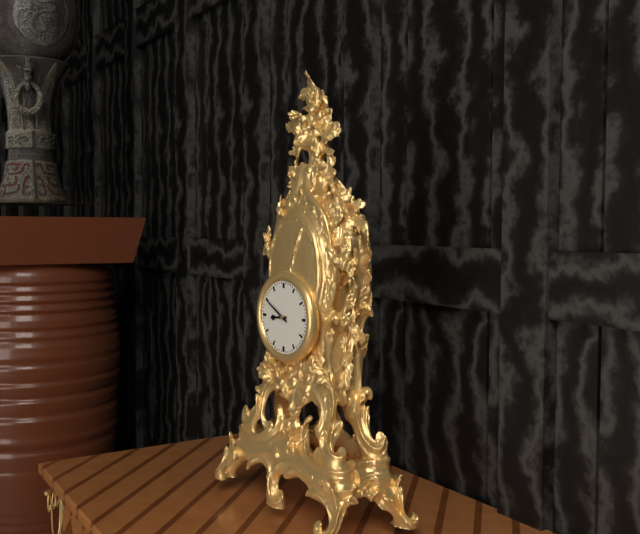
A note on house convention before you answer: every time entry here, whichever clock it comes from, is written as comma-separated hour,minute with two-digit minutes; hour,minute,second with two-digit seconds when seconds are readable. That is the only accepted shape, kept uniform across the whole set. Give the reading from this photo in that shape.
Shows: 8,50
